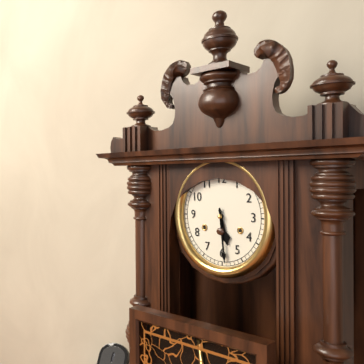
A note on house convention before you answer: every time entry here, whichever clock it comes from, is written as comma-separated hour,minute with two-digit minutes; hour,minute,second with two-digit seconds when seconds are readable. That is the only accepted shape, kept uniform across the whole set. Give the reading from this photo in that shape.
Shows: 5,29
